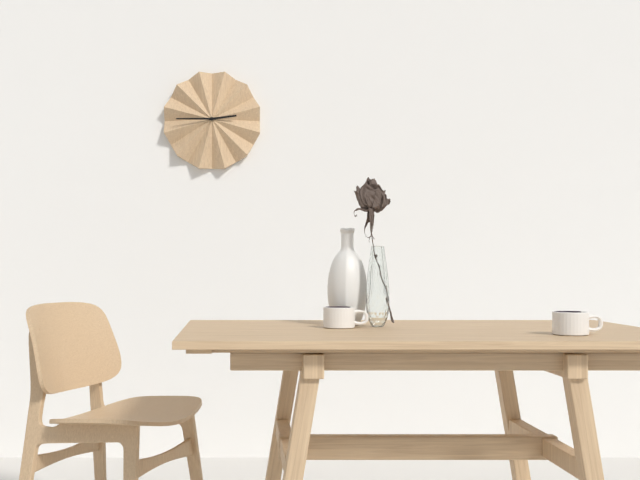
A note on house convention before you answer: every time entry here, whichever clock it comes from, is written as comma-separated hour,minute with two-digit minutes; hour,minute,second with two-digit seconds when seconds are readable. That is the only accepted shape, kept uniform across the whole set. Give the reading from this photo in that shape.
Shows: 2,45
